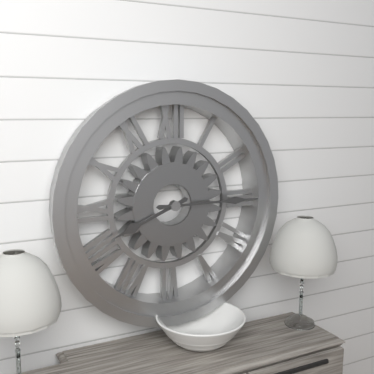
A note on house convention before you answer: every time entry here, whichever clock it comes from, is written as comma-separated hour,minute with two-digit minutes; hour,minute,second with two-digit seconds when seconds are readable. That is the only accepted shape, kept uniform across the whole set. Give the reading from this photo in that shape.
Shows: 8,15
